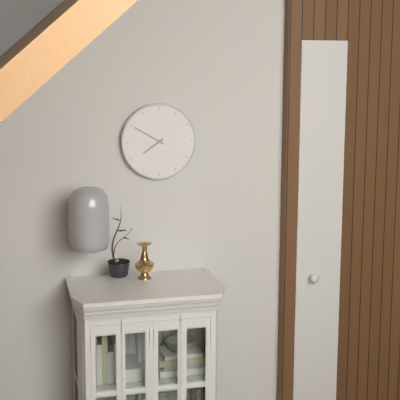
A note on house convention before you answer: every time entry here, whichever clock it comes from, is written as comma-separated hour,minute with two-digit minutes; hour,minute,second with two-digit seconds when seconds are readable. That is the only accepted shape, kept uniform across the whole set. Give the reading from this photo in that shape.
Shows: 7,50
